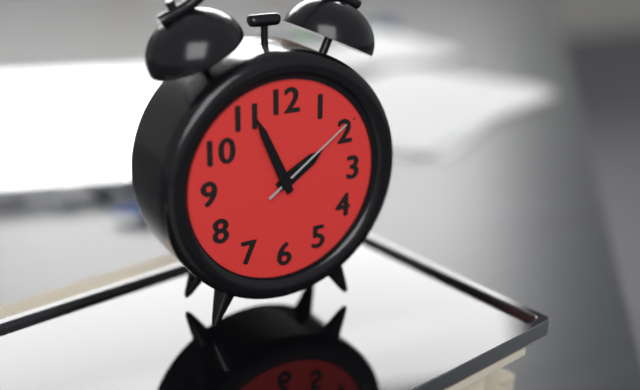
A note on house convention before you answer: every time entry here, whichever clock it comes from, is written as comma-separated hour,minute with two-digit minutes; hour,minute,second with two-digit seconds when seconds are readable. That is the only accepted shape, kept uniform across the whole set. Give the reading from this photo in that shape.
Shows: 1,56,09
